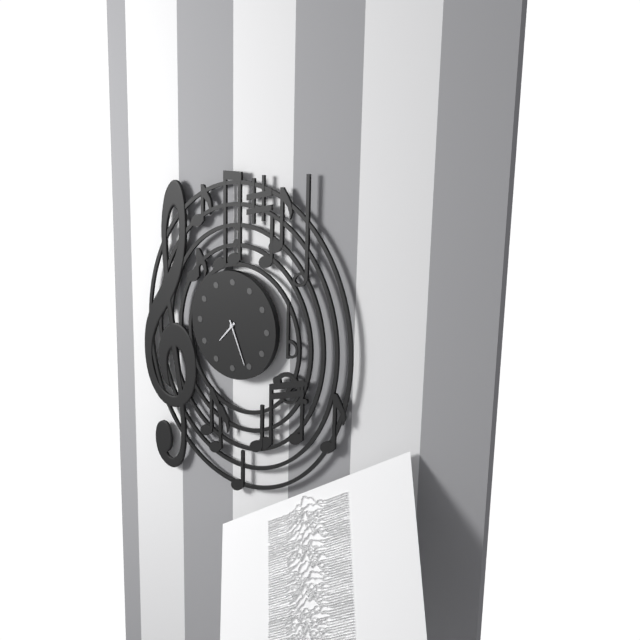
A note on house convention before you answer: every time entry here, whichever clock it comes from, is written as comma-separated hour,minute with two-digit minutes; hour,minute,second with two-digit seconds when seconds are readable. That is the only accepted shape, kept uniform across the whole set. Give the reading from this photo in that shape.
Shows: 7,26
